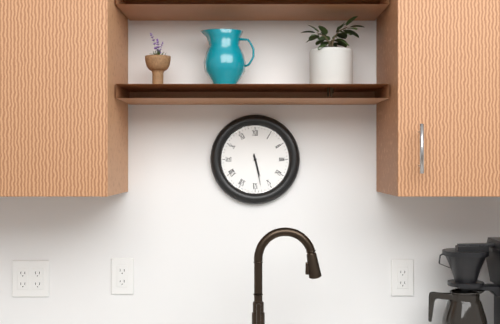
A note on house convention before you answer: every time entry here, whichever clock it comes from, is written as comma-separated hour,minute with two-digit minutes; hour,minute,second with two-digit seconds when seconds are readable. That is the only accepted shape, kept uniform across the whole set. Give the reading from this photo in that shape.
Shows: 5,28
